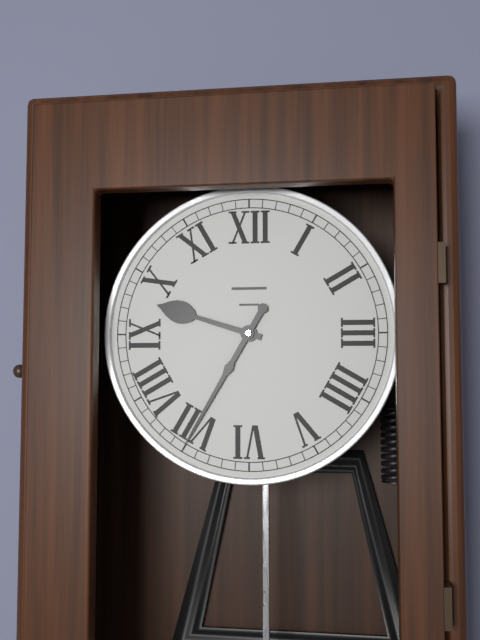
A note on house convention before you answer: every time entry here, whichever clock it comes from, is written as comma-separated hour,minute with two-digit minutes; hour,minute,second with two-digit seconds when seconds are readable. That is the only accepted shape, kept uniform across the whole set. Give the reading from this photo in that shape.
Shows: 9,35
